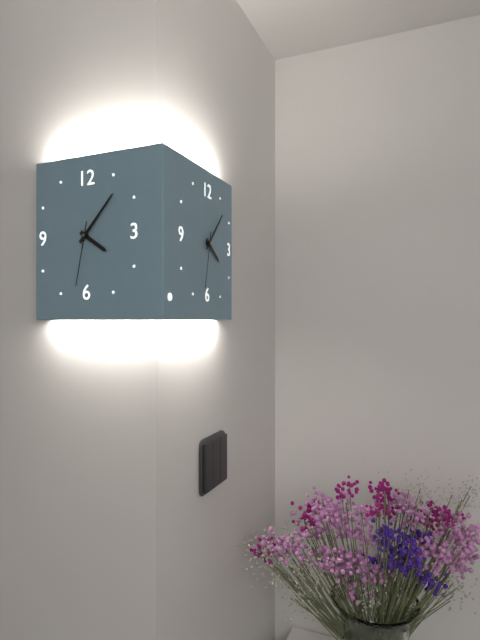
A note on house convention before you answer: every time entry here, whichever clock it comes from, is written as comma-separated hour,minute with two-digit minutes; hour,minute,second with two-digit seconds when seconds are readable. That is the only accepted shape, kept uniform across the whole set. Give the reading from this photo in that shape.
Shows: 4,07,32
